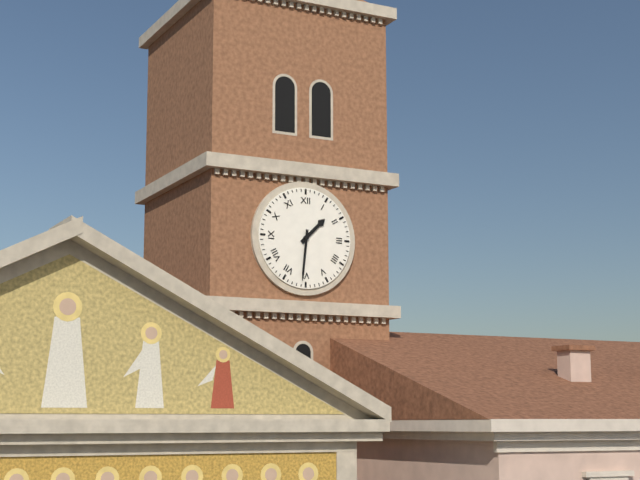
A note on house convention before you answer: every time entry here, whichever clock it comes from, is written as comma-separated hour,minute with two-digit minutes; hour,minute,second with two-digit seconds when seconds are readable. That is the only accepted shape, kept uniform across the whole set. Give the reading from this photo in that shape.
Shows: 1,31
